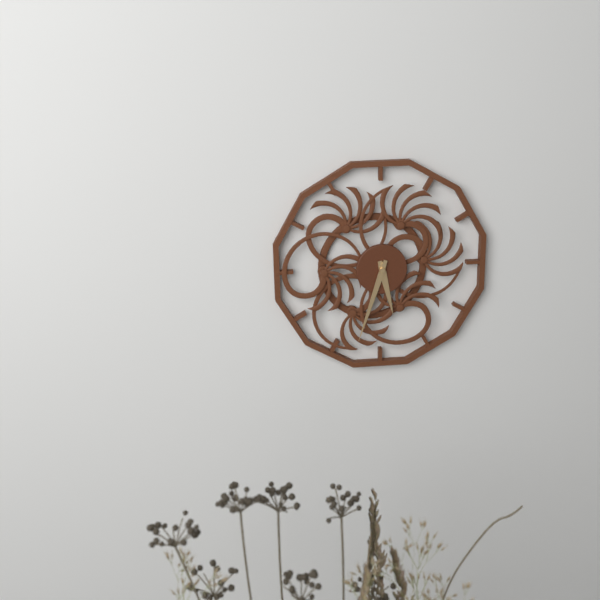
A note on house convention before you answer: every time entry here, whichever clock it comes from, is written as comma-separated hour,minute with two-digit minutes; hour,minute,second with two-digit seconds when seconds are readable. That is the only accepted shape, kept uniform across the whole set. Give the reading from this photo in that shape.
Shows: 5,33
